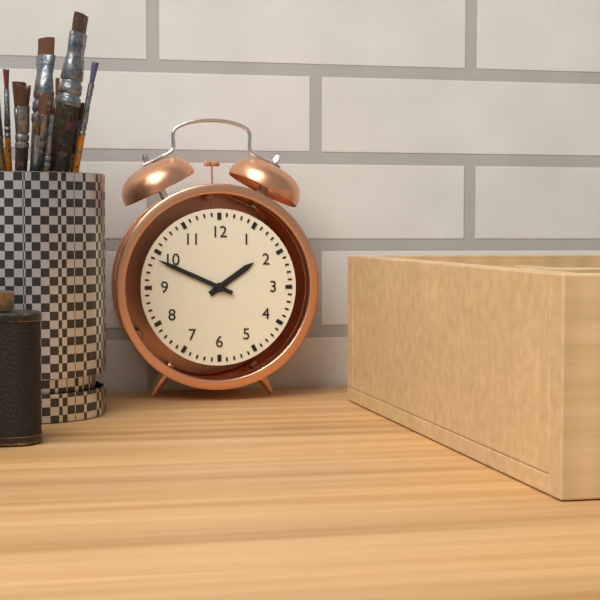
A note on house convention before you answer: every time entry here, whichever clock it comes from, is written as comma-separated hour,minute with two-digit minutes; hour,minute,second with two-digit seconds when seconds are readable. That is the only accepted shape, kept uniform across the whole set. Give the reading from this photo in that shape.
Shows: 1,49
